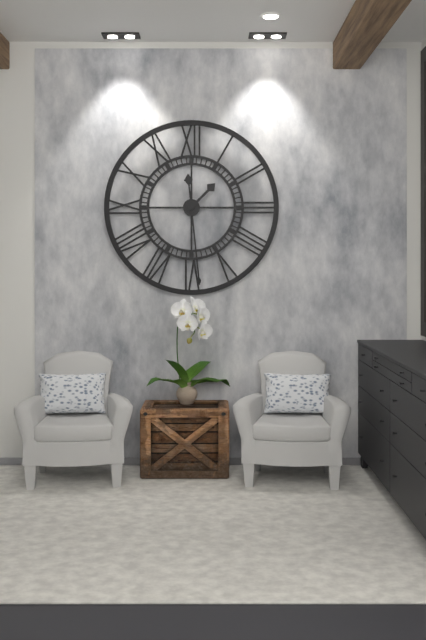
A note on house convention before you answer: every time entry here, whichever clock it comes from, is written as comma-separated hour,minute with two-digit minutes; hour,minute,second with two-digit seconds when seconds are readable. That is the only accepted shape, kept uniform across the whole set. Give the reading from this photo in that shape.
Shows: 1,29
